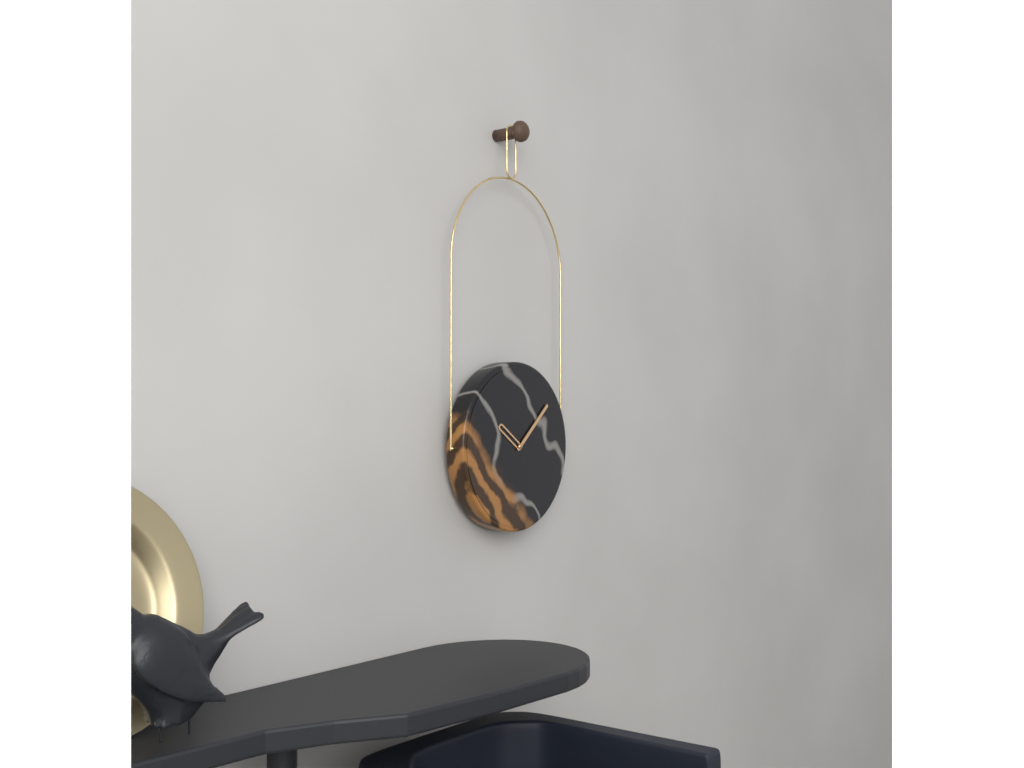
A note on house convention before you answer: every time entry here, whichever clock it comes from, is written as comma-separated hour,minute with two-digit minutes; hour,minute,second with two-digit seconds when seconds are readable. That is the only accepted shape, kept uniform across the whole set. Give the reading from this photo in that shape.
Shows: 10,08
